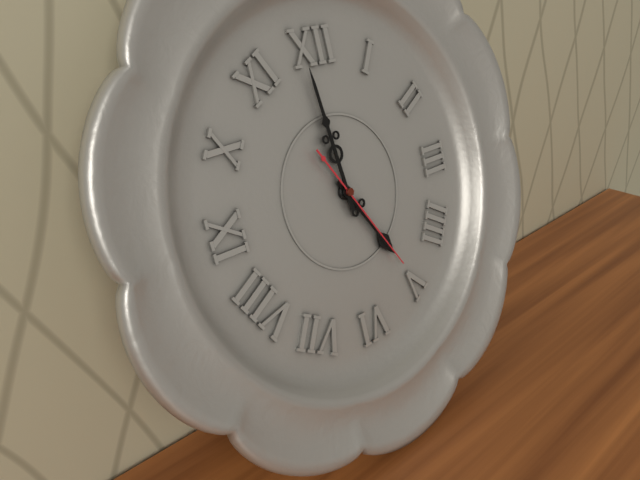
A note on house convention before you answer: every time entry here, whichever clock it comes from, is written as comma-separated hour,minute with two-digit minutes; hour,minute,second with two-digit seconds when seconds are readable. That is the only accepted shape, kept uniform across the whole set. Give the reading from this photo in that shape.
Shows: 4,59,25
